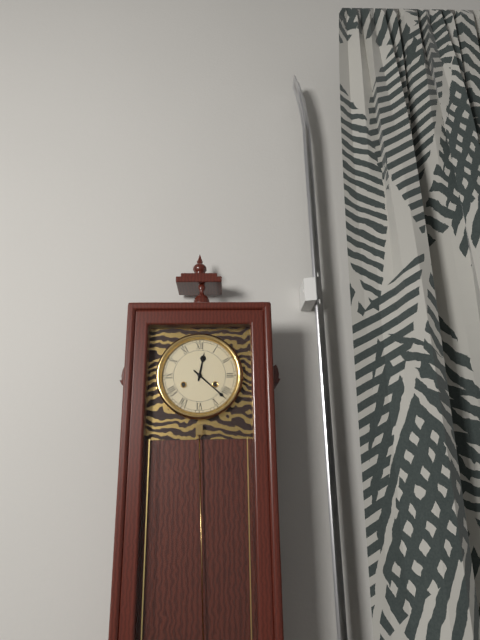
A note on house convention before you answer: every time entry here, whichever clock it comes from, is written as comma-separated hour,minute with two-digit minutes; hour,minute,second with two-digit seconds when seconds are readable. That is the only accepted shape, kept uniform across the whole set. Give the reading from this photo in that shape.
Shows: 12,22
